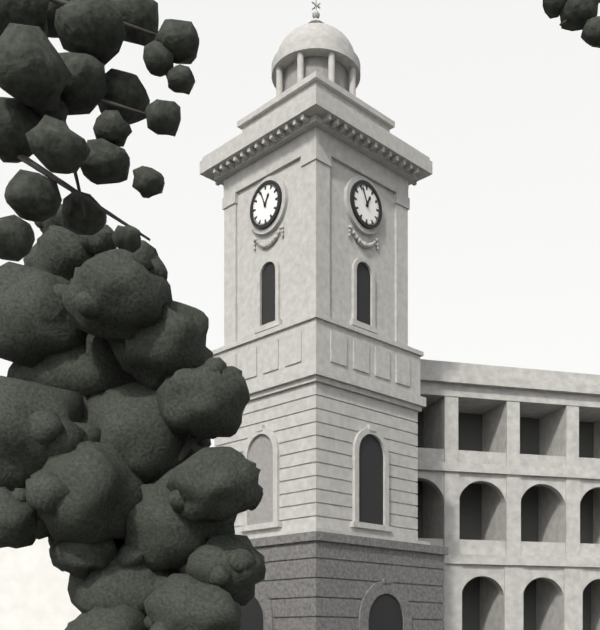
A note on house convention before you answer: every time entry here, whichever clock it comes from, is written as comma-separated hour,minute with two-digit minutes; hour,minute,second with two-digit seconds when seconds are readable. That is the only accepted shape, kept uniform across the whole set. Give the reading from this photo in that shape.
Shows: 12,56
